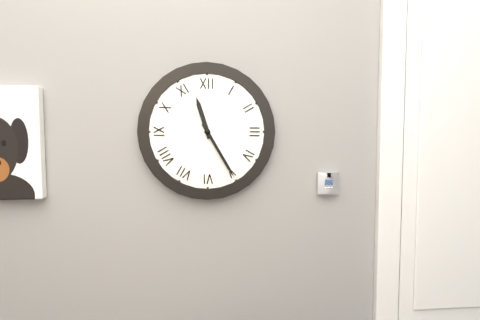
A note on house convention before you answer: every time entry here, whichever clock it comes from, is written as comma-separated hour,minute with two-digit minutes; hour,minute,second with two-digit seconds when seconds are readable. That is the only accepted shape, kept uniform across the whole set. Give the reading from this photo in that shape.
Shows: 11,25
